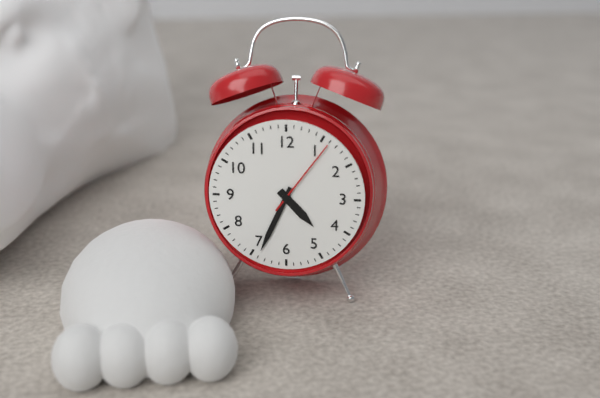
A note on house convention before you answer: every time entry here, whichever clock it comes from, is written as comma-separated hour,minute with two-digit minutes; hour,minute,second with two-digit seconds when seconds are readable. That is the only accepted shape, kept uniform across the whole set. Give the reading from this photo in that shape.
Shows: 4,34,06
